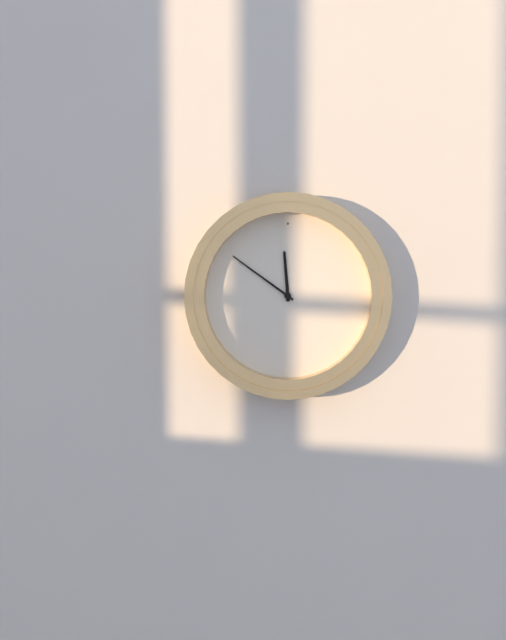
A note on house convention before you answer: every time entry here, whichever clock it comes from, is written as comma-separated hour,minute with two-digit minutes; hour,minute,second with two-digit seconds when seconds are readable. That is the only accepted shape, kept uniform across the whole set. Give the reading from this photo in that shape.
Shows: 11,51
